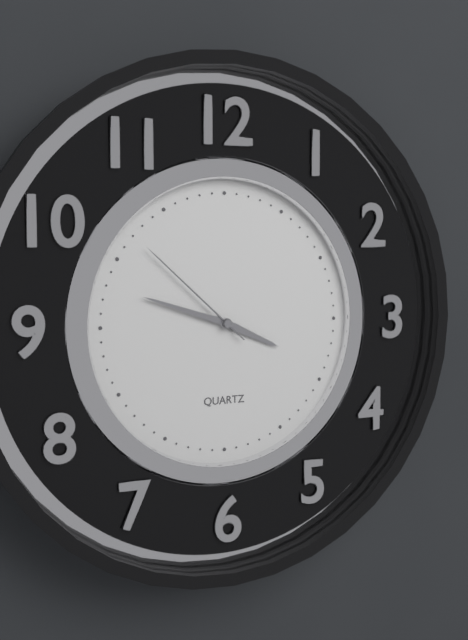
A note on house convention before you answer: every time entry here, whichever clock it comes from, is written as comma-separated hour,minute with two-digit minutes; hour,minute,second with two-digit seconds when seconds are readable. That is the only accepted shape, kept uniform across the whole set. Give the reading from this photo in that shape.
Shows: 3,48,52
